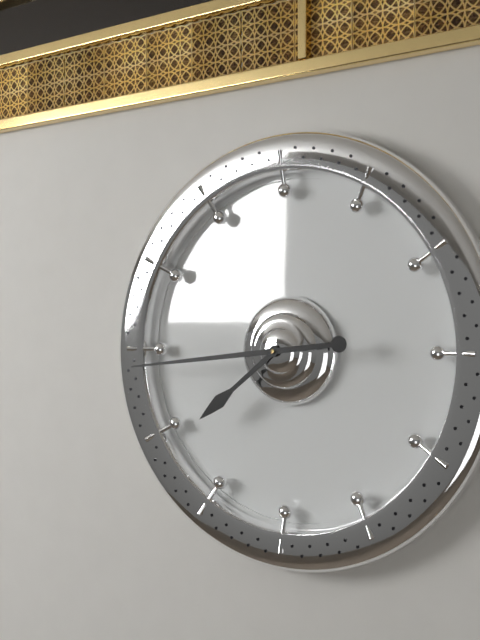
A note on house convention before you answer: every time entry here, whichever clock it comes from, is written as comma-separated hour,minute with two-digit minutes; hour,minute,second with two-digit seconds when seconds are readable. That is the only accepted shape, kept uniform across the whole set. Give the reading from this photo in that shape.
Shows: 7,44
